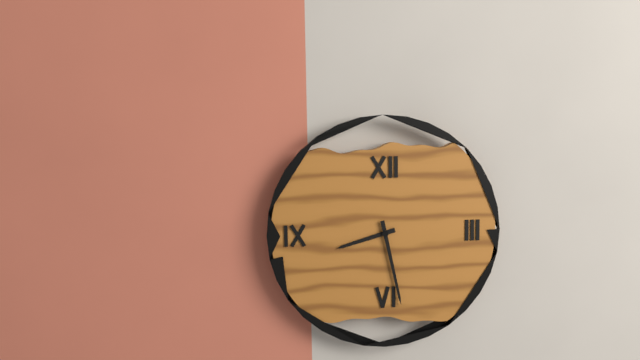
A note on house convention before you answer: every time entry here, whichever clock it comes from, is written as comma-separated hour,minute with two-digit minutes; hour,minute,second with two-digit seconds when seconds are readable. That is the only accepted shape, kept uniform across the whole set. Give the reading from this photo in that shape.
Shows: 8,28
